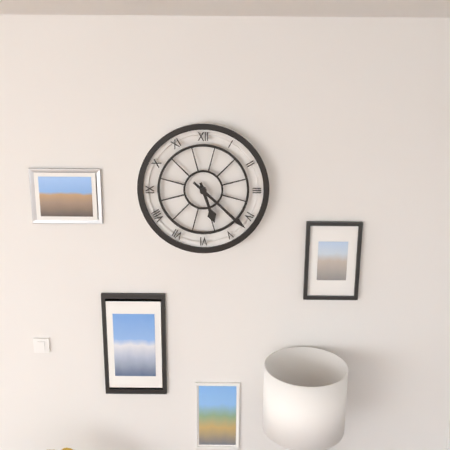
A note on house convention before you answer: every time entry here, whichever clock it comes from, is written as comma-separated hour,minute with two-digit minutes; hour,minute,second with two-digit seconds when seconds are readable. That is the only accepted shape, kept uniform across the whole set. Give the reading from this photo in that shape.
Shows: 5,22
